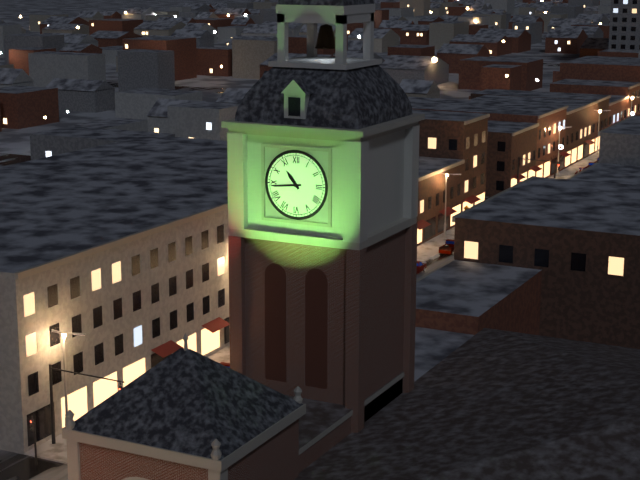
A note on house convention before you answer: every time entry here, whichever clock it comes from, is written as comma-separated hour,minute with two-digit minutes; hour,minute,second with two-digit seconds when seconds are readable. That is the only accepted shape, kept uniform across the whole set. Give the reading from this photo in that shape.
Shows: 10,44
